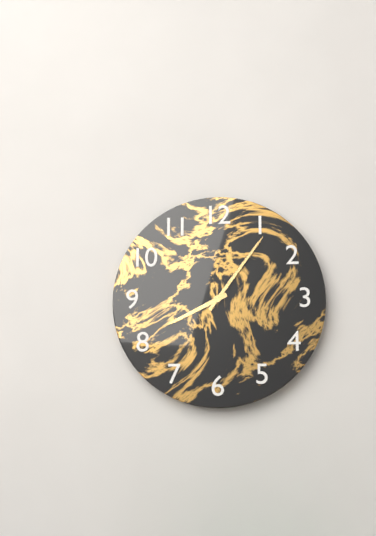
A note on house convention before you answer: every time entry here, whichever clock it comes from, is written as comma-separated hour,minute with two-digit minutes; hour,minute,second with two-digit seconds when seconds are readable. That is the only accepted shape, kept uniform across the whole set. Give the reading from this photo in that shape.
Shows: 8,06
